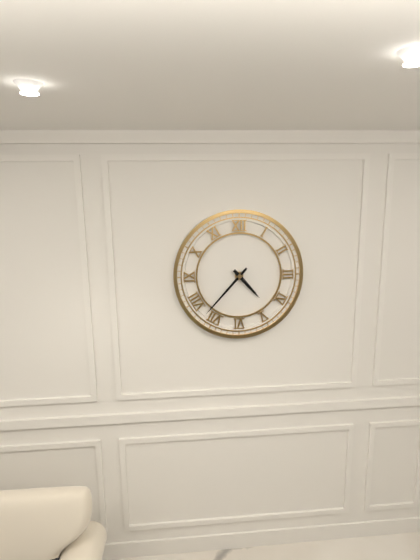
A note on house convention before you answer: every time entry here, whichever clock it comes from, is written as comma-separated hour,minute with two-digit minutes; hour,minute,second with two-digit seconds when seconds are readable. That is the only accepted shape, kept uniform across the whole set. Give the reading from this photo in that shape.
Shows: 4,37
